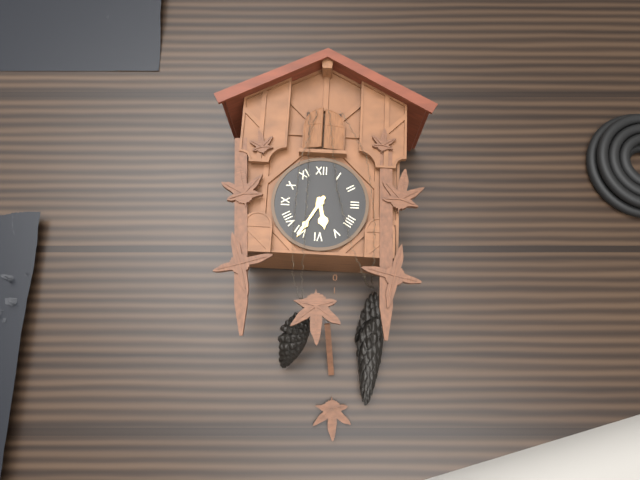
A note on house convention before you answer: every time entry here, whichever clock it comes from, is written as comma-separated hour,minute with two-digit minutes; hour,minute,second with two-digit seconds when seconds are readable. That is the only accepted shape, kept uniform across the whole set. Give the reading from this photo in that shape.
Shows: 5,35
